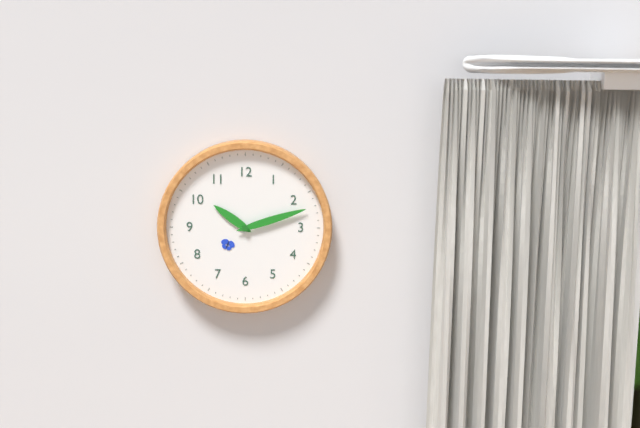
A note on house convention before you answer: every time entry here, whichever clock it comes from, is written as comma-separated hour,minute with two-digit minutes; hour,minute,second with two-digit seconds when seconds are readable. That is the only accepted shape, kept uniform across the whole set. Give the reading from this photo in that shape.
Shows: 10,12
